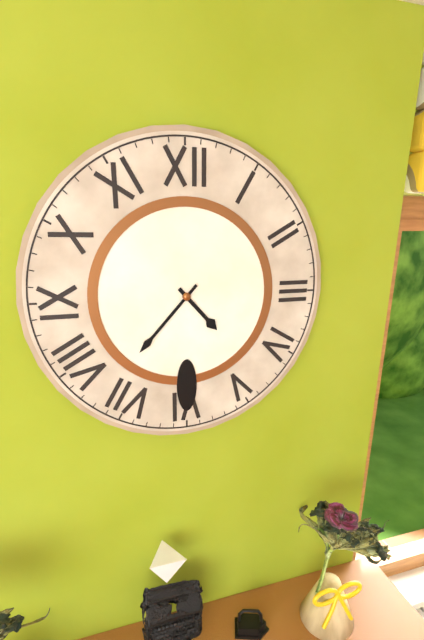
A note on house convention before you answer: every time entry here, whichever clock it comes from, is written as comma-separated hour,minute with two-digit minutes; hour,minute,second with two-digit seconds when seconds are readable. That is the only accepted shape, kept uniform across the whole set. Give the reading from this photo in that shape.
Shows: 4,37
